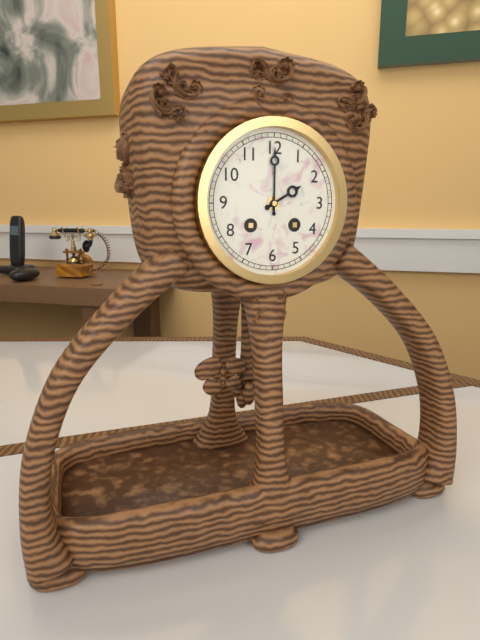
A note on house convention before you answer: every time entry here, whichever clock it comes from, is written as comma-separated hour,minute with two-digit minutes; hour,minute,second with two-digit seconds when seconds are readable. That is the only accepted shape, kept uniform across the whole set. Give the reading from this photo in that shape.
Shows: 2,00
